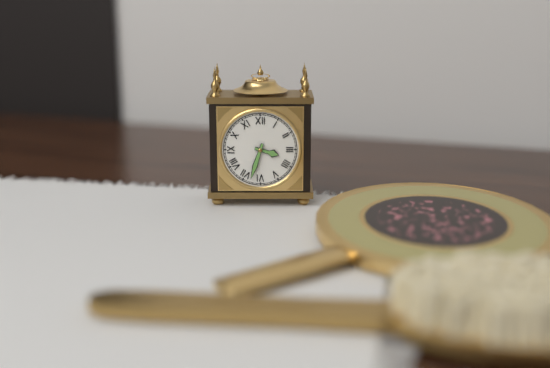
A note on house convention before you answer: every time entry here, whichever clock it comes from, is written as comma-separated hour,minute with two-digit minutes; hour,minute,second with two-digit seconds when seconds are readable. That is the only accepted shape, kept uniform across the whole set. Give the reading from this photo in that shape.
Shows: 3,33
